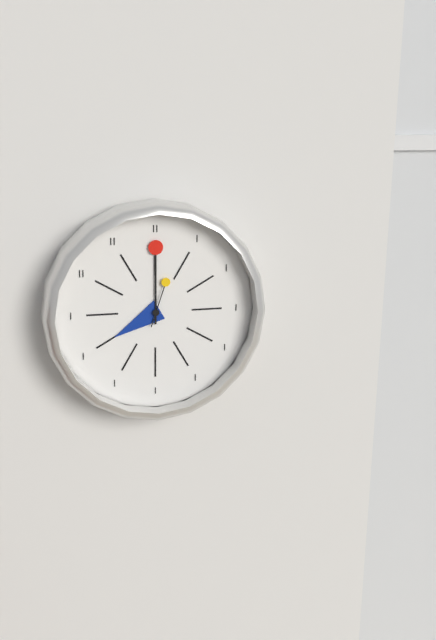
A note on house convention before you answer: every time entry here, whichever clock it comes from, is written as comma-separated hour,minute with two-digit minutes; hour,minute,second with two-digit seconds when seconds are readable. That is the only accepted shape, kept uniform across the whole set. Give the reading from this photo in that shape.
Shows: 8,00
